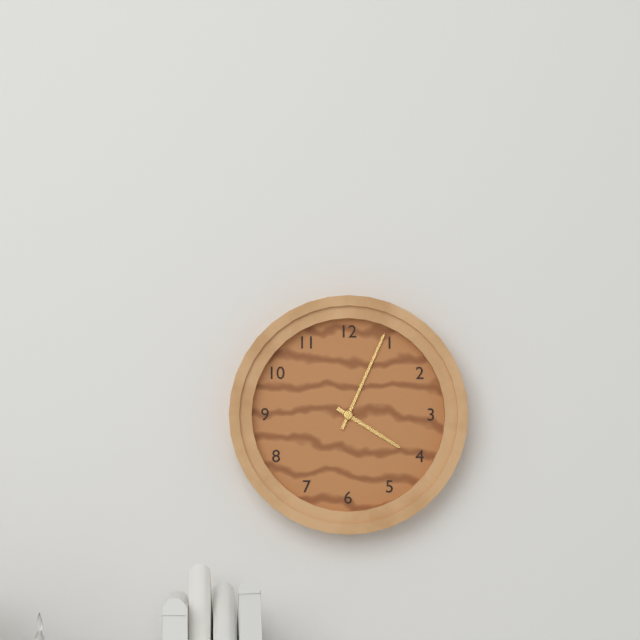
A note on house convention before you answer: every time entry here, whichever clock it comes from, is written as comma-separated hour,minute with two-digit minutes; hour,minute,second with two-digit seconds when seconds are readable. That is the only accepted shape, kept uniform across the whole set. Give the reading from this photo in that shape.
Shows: 4,04
